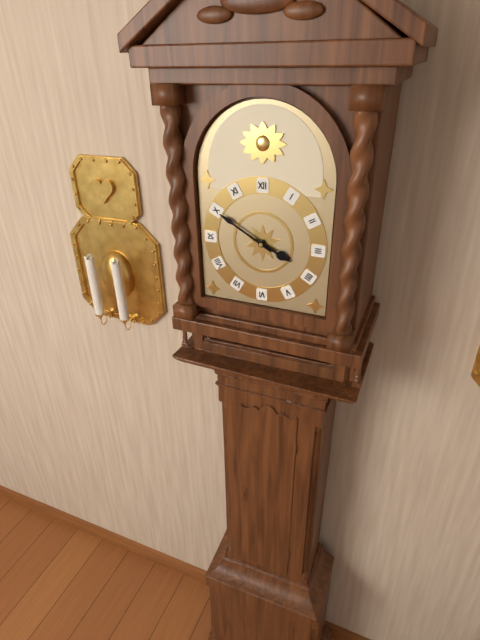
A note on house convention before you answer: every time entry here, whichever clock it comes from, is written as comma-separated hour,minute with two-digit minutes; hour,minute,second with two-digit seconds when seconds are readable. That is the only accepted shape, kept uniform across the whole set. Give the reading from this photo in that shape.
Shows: 3,50
